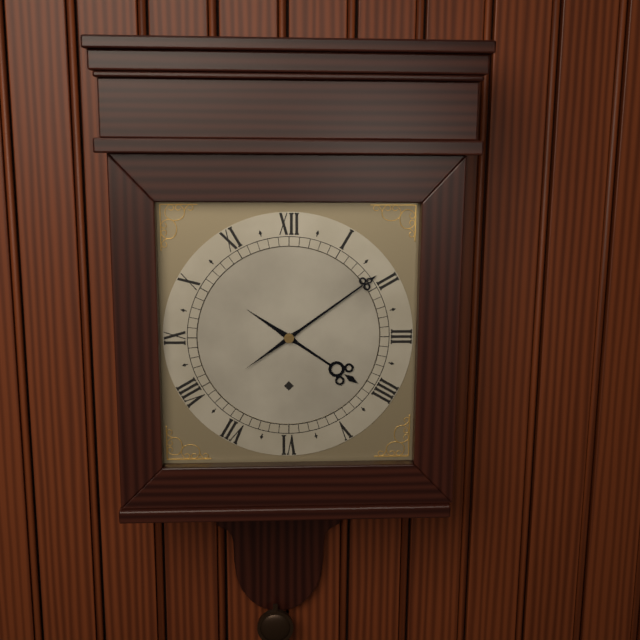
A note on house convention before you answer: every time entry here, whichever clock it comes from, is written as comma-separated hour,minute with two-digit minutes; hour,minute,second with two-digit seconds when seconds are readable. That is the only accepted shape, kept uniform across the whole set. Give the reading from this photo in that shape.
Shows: 4,09
